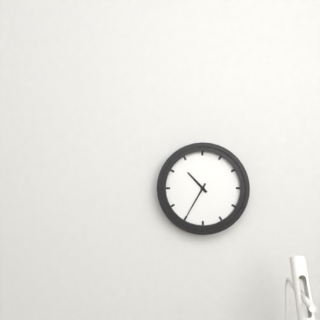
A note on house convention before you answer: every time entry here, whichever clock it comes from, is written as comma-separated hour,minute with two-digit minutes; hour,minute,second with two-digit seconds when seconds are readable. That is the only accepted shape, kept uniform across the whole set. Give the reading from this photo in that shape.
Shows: 10,35
